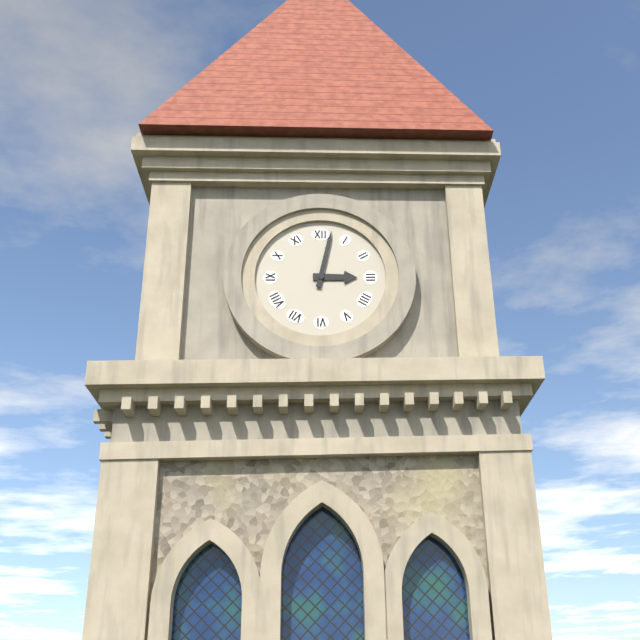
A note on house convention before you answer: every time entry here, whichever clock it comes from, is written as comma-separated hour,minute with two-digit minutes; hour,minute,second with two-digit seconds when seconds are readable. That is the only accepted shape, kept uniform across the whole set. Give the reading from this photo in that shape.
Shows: 3,02
